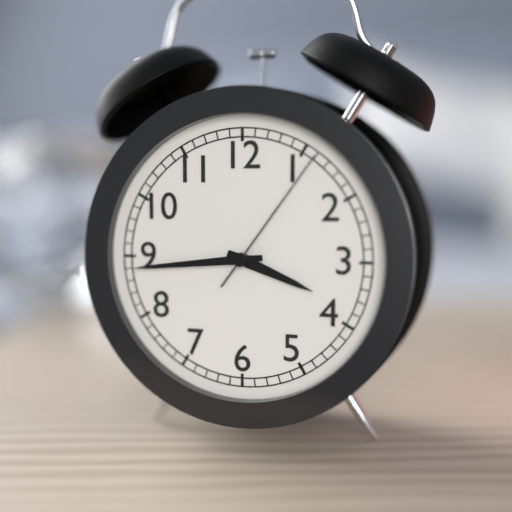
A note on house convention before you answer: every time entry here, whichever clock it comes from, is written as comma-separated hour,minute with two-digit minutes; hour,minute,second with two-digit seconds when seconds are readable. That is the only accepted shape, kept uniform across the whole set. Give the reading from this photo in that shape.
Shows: 3,44,06
